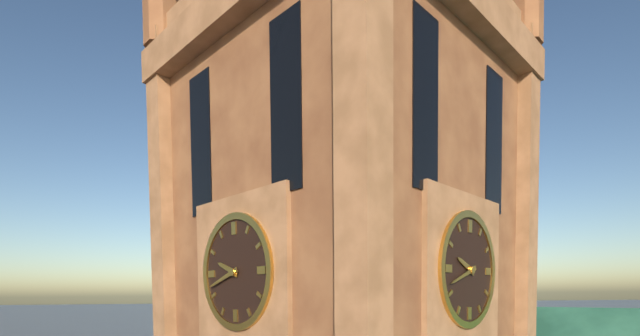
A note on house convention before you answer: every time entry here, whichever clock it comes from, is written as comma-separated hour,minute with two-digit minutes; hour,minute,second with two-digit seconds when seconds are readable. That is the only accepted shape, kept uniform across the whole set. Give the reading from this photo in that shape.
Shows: 9,42
